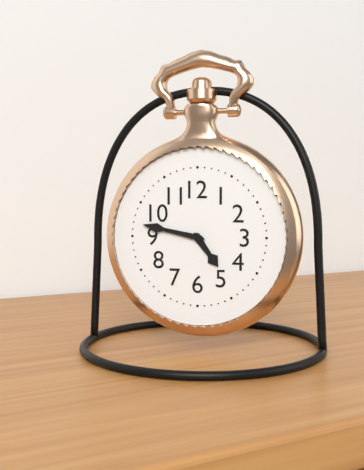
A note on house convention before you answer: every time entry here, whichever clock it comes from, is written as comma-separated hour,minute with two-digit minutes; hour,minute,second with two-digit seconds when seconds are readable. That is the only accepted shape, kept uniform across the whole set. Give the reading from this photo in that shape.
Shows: 4,47
